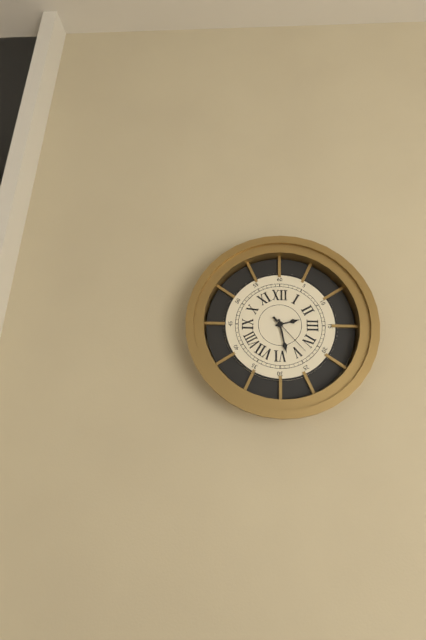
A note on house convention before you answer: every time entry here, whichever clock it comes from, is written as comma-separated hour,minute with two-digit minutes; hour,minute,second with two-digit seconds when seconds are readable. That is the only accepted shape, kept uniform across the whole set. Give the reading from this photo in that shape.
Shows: 2,28
